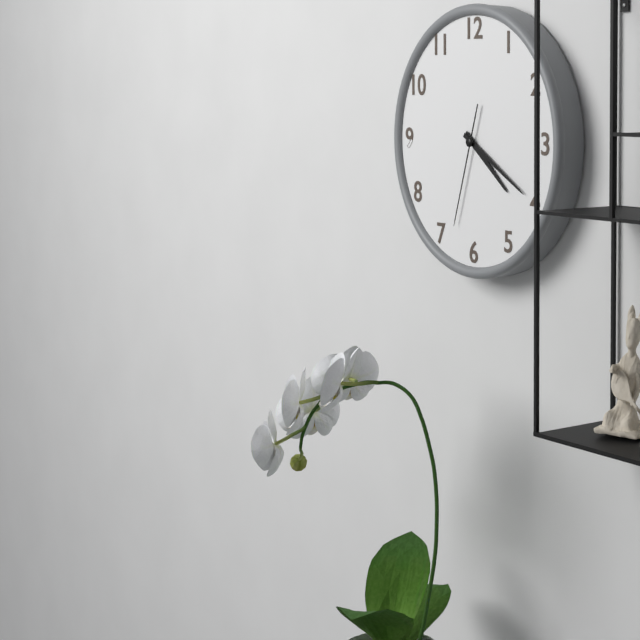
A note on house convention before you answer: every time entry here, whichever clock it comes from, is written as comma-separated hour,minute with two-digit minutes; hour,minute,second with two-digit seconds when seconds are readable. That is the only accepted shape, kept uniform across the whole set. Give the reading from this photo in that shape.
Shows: 4,20,33
